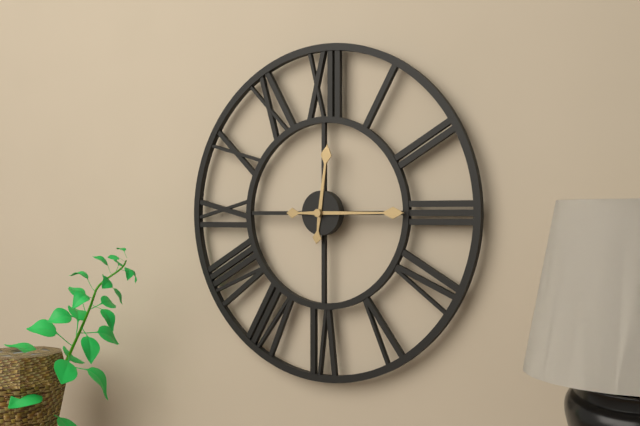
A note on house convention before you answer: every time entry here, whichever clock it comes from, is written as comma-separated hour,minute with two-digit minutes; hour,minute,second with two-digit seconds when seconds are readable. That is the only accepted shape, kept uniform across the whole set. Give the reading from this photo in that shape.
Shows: 12,15
